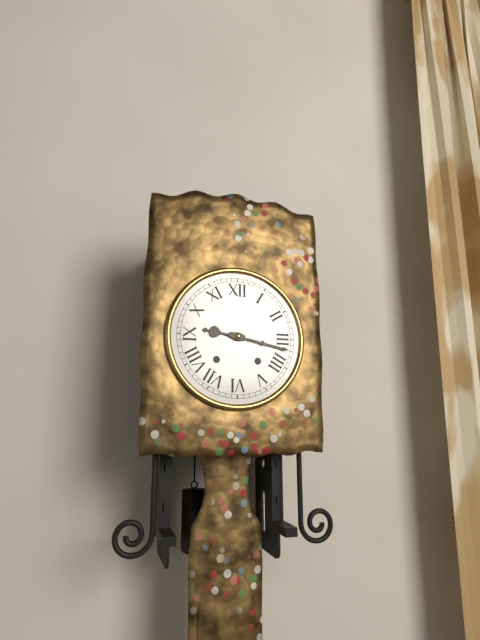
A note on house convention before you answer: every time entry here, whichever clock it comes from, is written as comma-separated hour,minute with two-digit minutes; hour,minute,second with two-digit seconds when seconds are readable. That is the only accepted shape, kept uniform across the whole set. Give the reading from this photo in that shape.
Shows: 9,17
